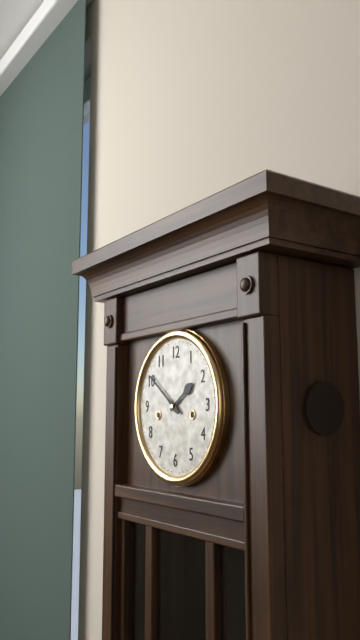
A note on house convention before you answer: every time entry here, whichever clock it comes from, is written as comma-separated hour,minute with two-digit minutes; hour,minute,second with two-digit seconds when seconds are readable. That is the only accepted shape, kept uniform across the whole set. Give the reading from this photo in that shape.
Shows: 1,51
